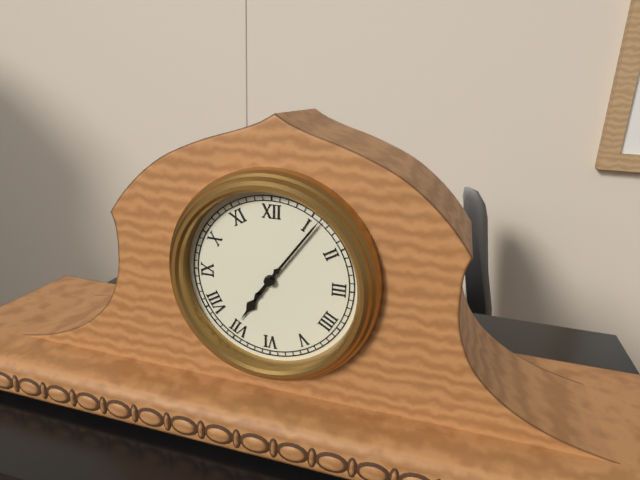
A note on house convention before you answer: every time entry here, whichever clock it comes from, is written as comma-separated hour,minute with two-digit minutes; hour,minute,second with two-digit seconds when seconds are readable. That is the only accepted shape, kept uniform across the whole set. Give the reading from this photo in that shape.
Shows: 7,06
